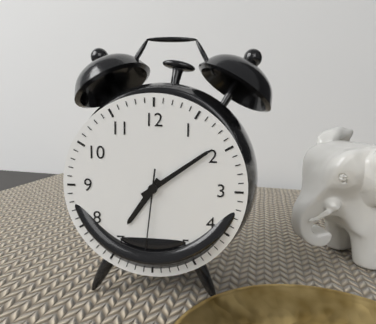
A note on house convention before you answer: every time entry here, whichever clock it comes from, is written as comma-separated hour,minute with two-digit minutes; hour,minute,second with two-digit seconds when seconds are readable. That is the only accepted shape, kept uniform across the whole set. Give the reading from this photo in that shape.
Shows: 7,09,31
